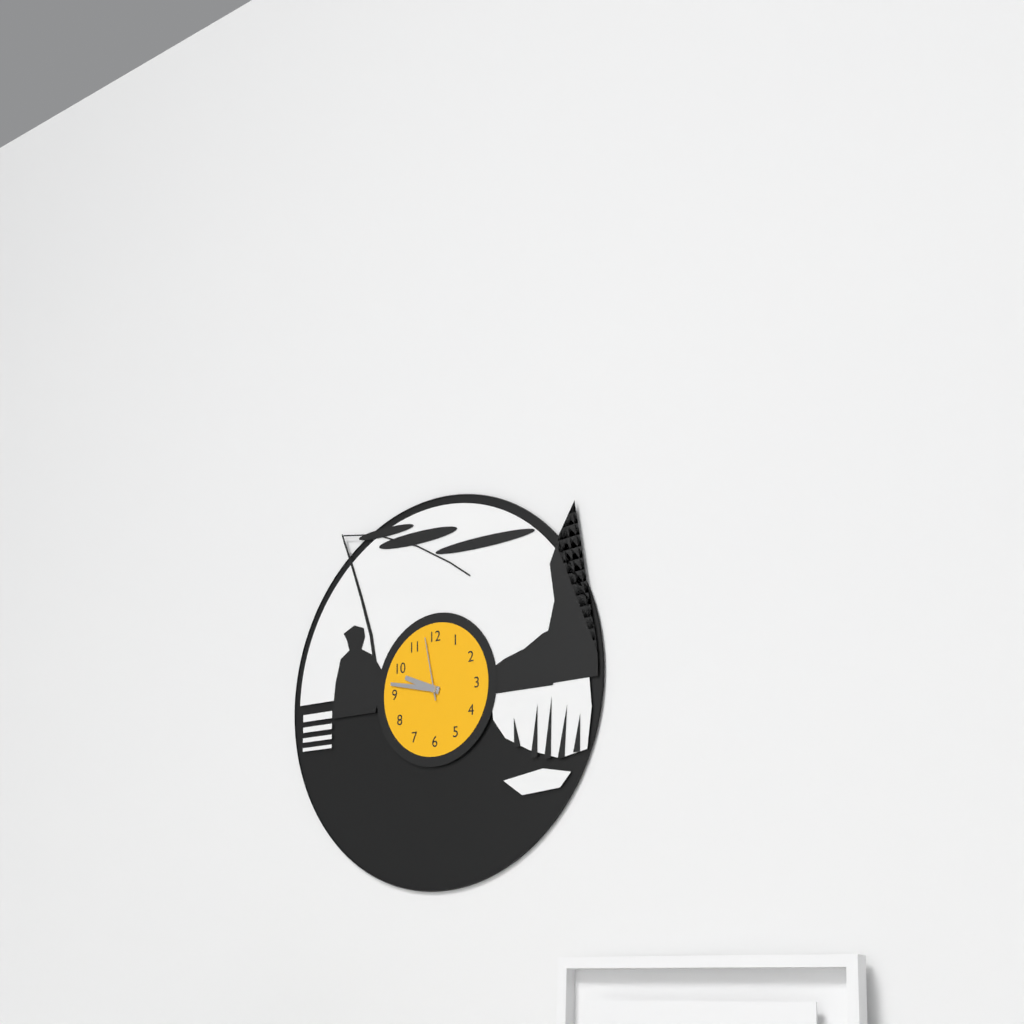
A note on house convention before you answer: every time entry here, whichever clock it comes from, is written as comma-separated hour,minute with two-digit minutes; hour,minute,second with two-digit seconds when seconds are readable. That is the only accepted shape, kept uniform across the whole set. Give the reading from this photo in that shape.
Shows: 9,47,58
